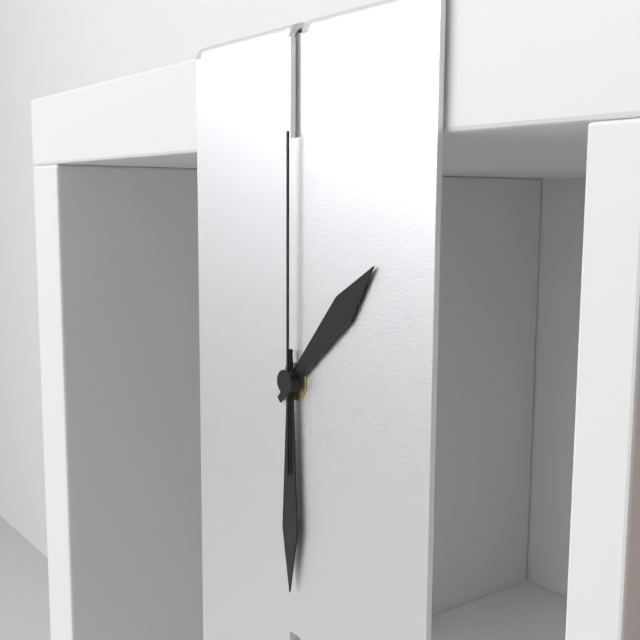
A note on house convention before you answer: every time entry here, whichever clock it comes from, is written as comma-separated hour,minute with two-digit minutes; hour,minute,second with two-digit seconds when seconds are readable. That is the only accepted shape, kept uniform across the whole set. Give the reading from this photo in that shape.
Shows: 1,30,00
